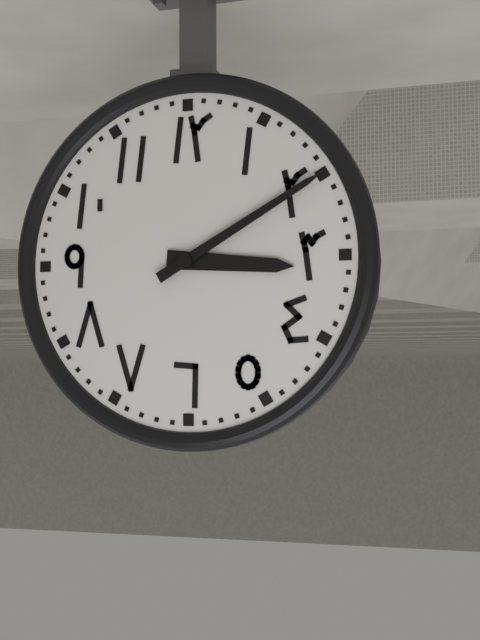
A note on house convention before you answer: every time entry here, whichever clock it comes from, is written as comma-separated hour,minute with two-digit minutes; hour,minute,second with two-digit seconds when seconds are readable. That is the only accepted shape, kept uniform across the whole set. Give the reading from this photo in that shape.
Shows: 3,10
